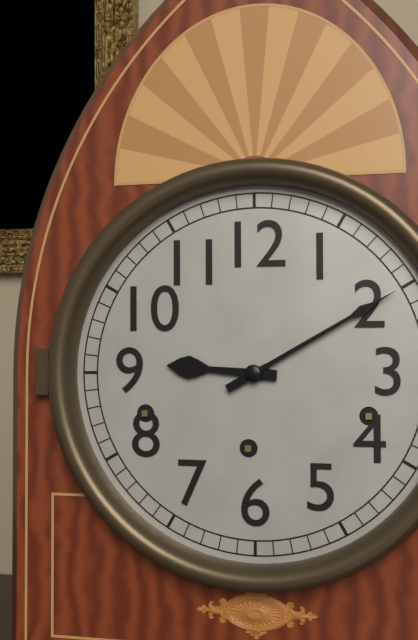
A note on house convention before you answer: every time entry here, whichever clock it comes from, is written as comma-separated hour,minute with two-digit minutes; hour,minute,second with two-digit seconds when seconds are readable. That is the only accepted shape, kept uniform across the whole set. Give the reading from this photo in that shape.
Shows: 9,10
